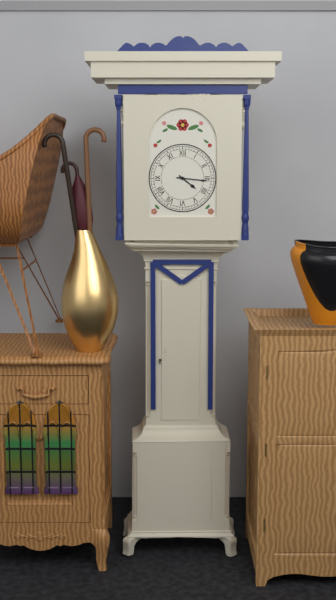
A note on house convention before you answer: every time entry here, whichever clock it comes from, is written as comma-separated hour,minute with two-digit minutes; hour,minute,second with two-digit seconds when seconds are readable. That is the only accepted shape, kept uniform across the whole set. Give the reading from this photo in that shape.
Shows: 4,16
